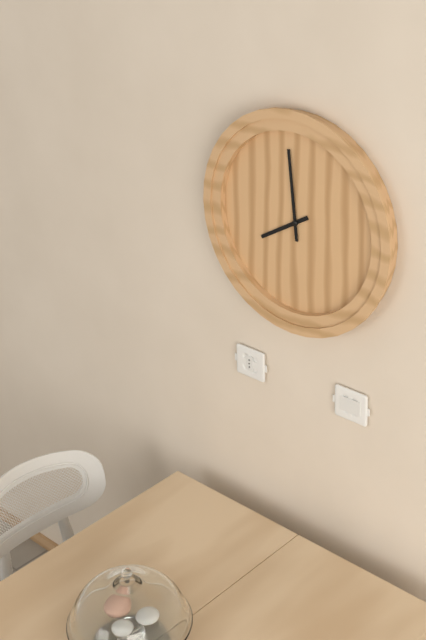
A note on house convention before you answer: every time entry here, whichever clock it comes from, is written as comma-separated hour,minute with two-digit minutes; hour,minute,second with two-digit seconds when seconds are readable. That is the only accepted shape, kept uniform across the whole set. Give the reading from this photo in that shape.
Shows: 7,59
